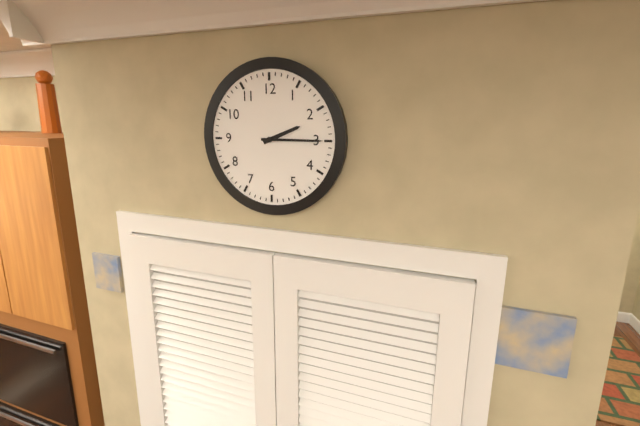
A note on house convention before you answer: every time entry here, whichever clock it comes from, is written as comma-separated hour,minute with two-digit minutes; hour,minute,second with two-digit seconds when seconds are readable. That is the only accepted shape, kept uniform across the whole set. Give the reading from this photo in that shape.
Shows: 2,15
